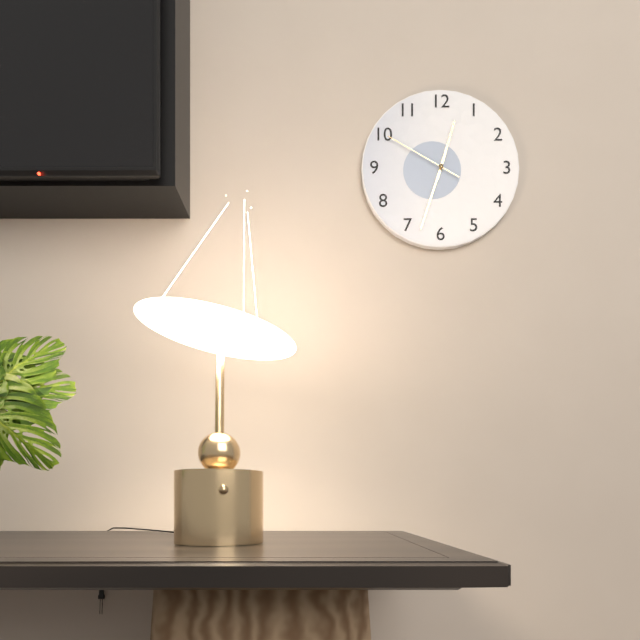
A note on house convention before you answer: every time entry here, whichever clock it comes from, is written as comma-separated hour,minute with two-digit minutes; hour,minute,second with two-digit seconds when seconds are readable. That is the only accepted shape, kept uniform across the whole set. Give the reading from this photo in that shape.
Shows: 12,33,50
